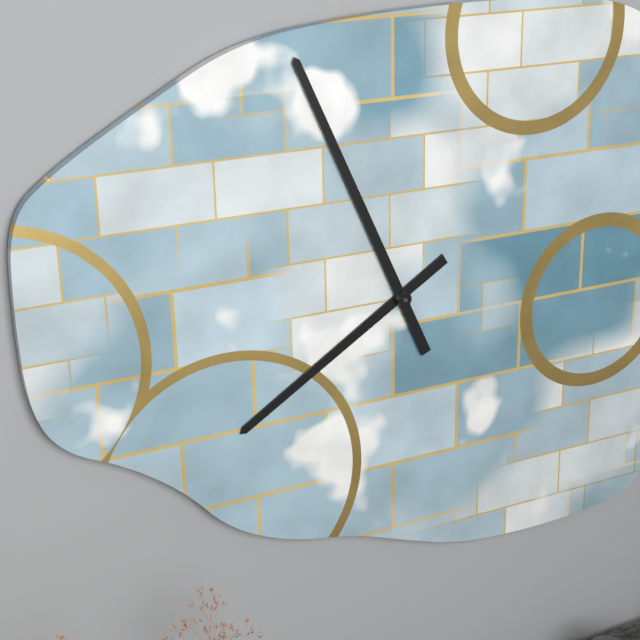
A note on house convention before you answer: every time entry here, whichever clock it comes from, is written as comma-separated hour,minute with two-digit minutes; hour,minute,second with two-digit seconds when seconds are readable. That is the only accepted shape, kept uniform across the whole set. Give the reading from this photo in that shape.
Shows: 7,56
